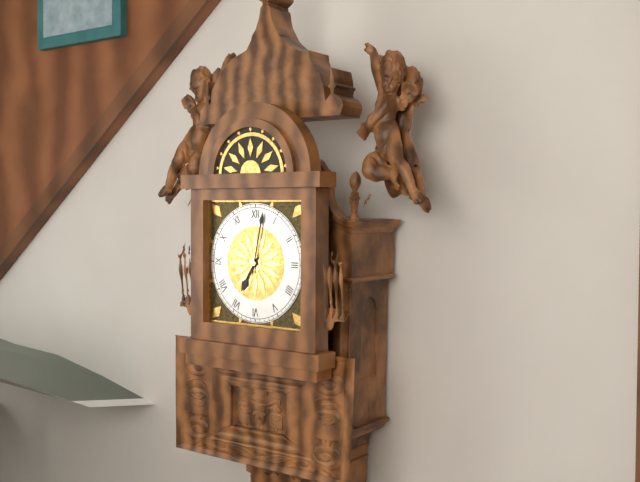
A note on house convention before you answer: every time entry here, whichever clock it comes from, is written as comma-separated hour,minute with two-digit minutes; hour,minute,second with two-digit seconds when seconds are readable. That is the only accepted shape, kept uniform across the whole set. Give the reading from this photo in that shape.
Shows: 7,02
